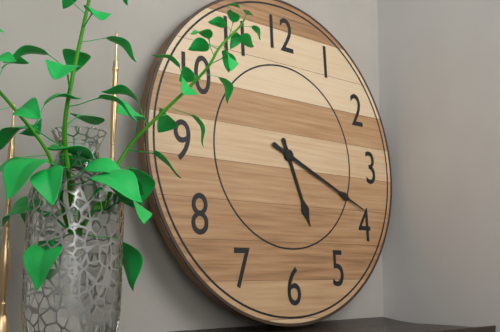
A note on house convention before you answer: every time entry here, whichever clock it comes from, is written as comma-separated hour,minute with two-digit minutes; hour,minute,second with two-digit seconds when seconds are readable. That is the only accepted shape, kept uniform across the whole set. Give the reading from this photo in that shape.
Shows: 5,19
